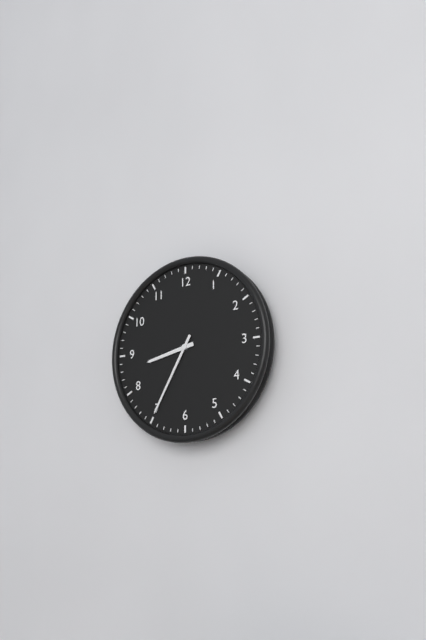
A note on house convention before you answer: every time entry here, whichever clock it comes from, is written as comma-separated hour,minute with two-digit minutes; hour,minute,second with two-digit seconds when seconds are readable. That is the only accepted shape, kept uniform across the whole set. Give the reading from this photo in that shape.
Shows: 8,35
